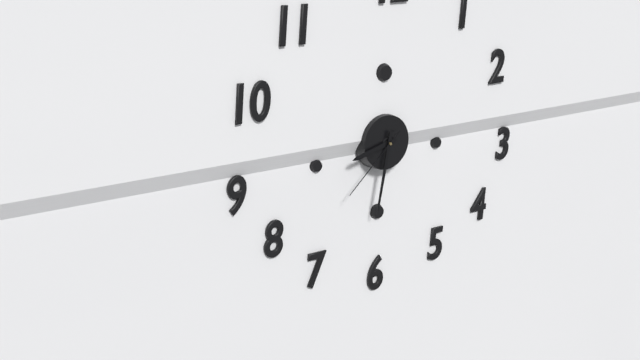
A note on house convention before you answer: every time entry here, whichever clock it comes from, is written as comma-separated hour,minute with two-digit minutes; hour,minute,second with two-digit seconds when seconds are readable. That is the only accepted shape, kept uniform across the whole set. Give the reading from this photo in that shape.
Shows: 8,32,38
